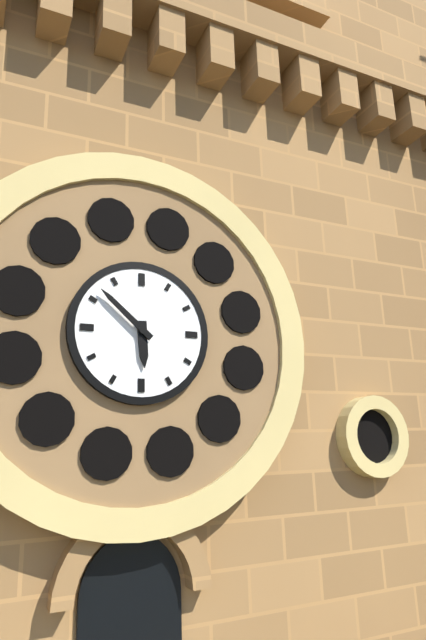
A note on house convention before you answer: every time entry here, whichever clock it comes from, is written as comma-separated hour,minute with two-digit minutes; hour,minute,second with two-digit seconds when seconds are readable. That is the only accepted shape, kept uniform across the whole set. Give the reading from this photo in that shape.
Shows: 5,52
